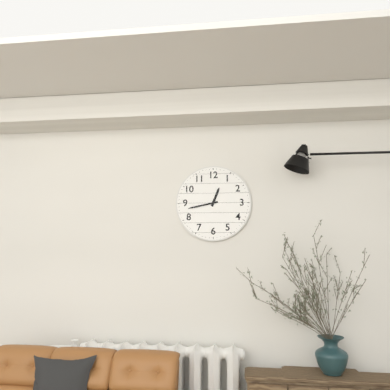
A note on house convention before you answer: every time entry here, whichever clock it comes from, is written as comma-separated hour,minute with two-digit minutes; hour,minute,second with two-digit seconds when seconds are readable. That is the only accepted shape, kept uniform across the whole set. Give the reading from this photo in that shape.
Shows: 12,43
